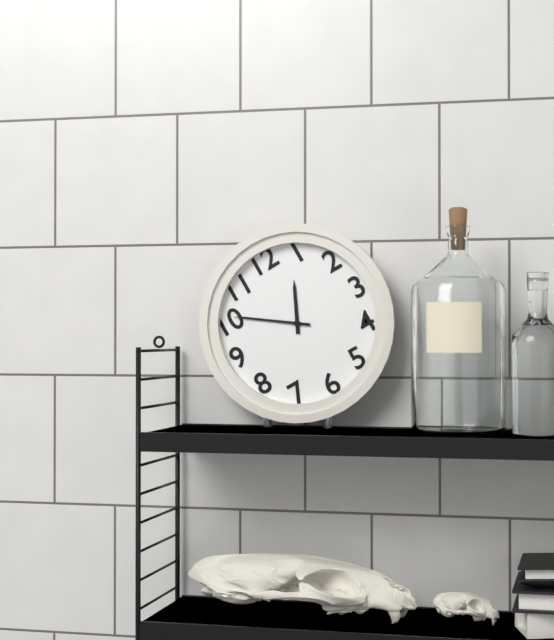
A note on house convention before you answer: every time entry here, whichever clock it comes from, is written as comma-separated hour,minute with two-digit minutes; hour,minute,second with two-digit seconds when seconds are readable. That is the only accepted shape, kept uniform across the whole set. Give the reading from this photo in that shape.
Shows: 12,51
